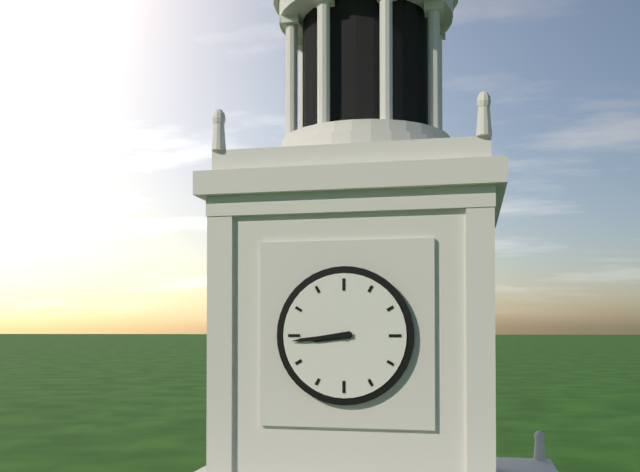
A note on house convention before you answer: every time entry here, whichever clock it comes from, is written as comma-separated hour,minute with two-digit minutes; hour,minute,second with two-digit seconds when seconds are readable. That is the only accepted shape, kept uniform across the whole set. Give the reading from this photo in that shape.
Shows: 8,44
